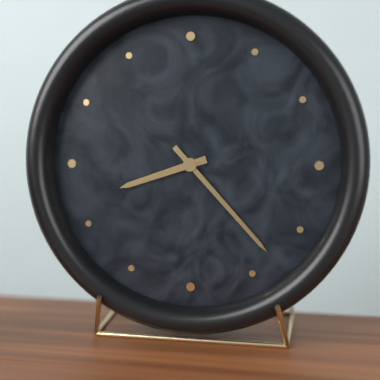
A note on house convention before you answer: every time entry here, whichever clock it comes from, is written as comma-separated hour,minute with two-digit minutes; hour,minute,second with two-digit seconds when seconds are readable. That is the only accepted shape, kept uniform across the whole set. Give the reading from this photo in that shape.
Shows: 8,23
